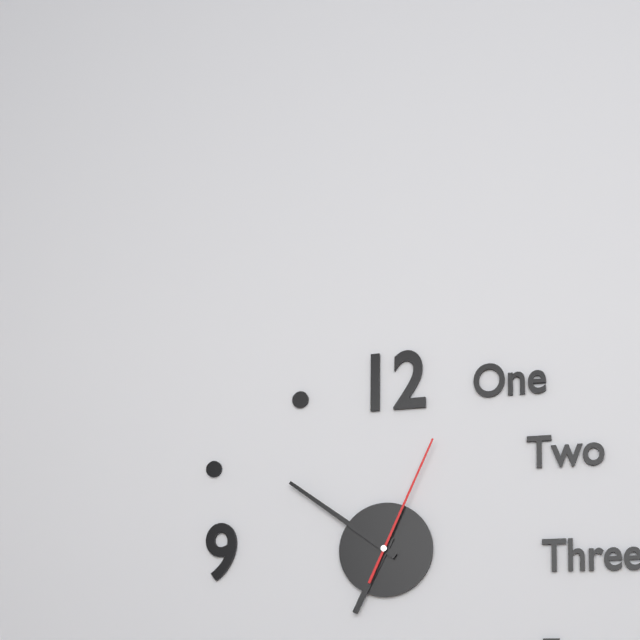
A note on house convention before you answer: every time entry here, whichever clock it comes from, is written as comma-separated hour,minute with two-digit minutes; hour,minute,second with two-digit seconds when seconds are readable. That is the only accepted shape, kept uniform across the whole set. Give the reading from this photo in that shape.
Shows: 6,51,04
